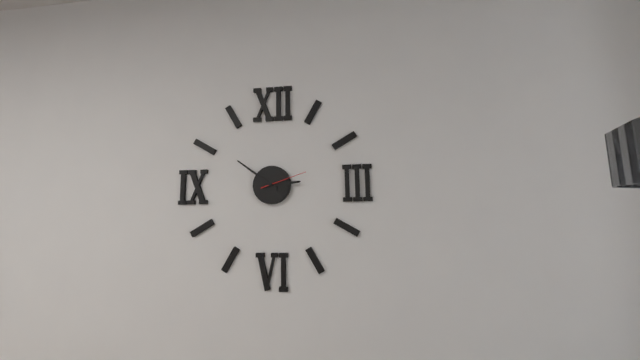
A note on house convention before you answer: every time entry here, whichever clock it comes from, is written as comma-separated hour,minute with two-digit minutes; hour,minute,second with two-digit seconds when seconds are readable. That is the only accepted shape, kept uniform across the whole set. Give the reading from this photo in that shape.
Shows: 2,51
